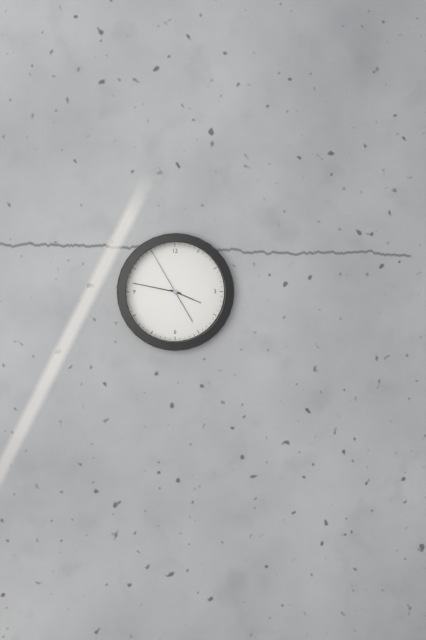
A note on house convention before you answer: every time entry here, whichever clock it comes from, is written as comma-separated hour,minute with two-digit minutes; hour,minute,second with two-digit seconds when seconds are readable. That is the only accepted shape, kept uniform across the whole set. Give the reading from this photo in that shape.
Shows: 3,47,55
